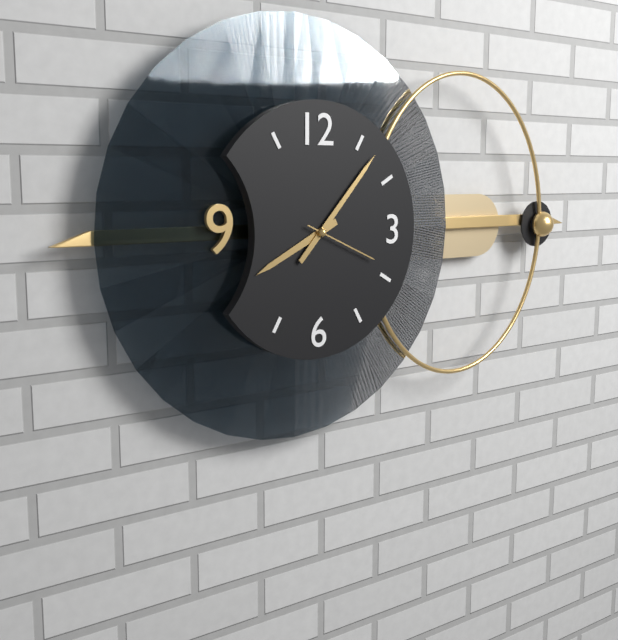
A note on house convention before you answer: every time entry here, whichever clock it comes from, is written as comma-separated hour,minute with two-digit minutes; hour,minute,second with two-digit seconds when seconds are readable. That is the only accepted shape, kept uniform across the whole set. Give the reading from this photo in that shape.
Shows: 8,07,19
